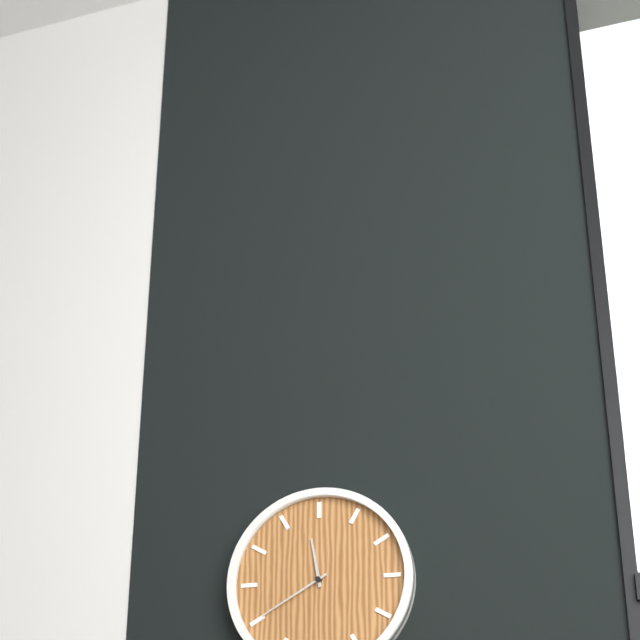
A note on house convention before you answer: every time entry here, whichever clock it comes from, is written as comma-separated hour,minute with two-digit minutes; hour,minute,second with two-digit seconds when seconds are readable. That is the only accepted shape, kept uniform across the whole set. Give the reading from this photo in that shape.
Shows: 11,40
